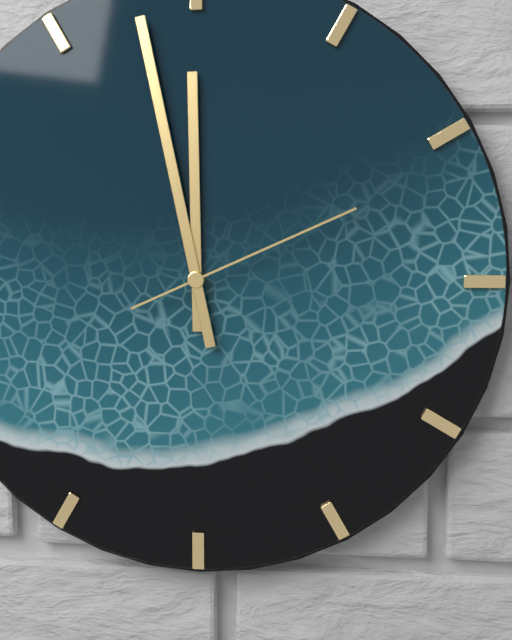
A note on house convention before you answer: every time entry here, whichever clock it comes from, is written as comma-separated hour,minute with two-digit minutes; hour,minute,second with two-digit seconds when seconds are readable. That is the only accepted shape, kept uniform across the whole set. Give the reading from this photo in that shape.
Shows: 11,58,11
